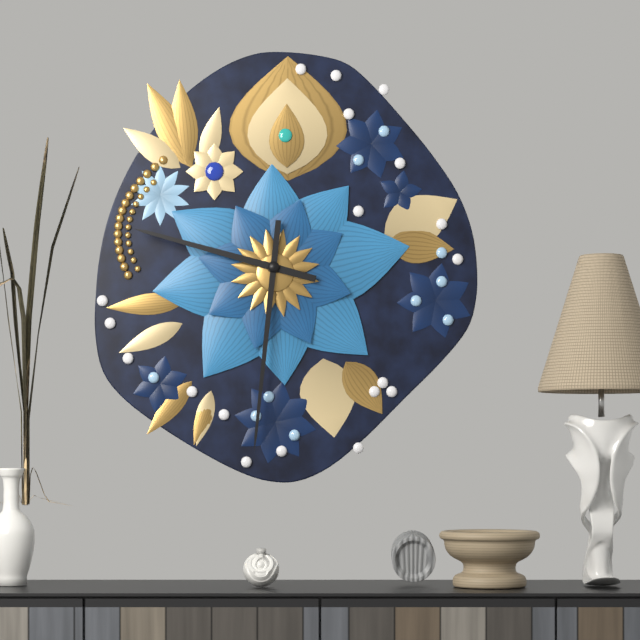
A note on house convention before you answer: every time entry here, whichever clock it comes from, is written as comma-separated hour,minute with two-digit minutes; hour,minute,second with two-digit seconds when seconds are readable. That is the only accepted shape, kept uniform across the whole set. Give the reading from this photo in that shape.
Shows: 9,31
